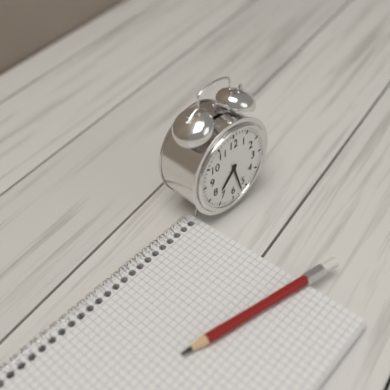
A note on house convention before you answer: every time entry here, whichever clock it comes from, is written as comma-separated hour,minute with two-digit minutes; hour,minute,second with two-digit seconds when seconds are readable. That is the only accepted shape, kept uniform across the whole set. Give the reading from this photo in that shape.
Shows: 7,27
